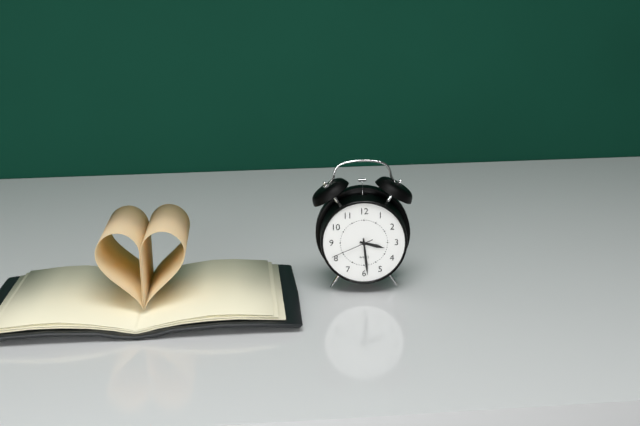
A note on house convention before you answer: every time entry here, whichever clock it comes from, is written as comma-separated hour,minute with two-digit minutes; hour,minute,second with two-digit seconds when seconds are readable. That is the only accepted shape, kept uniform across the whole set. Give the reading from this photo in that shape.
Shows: 3,29
